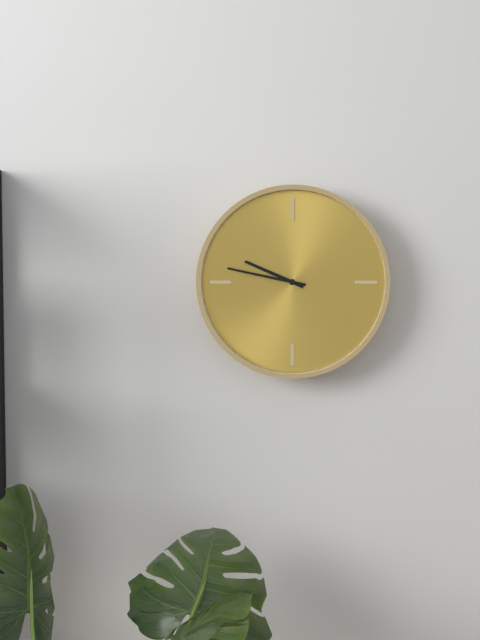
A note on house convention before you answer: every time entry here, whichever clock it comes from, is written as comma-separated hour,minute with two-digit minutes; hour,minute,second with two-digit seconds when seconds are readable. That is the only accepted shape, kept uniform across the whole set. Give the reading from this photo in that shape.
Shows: 9,47
